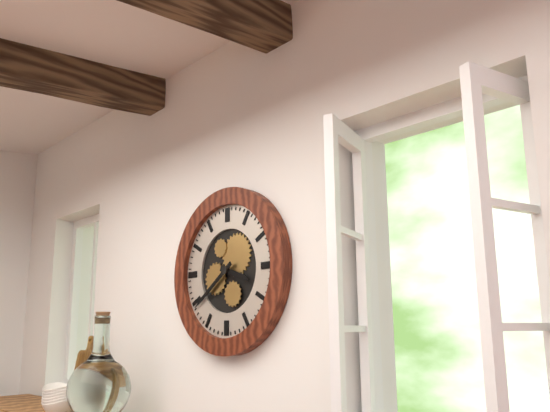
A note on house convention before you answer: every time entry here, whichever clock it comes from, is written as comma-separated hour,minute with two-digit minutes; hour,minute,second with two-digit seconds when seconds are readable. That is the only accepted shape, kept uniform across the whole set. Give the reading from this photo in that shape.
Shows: 3,39
